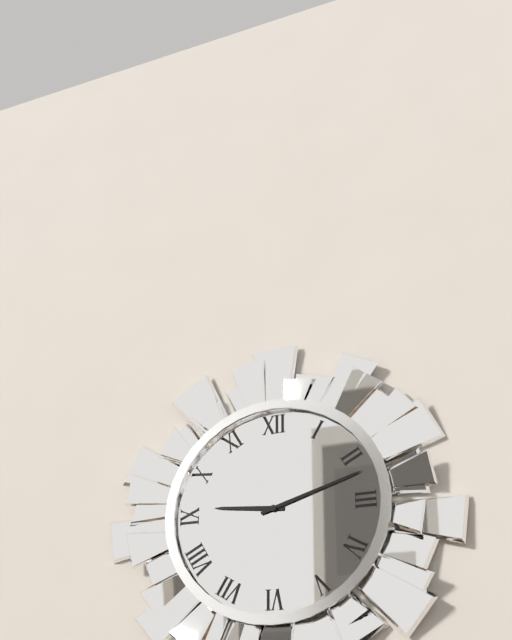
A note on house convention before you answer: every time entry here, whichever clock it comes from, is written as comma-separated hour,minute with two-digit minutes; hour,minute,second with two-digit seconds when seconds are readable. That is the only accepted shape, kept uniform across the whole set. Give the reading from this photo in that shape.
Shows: 9,12
